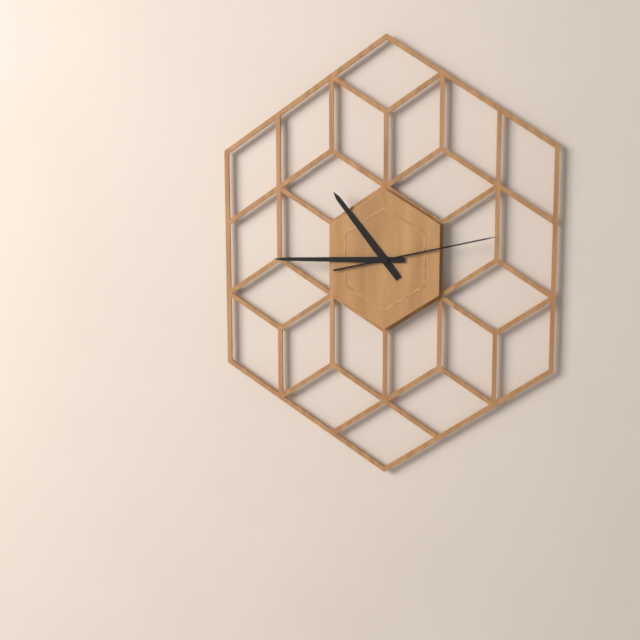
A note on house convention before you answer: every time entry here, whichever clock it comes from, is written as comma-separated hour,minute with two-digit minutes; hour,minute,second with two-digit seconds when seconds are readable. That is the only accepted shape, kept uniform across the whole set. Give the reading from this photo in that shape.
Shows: 10,45,13
